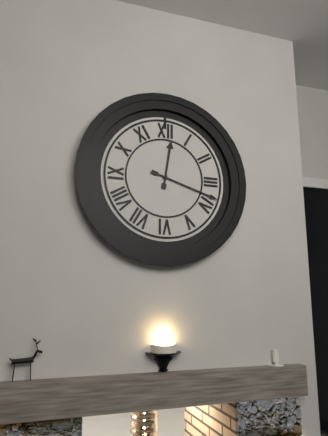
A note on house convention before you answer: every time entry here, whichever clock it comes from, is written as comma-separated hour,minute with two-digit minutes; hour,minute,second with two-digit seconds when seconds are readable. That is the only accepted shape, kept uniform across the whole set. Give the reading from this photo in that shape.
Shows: 12,18
